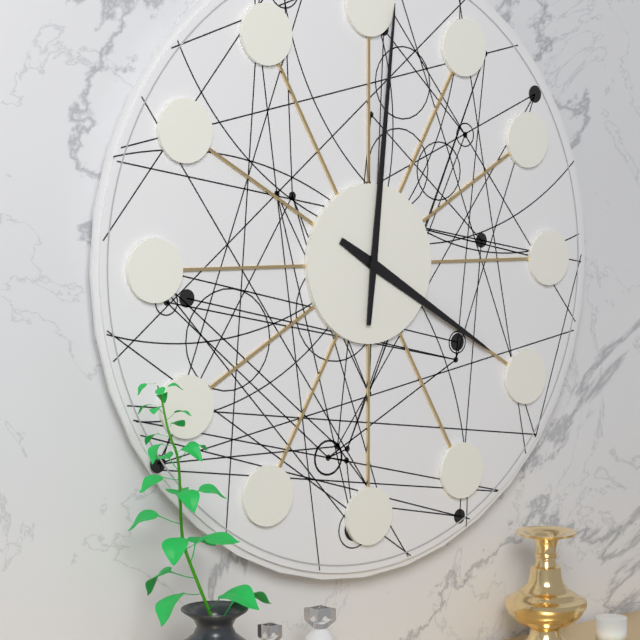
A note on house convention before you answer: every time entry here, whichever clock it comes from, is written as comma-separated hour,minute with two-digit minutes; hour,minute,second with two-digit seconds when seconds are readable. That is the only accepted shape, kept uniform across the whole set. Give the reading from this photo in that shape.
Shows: 4,01
